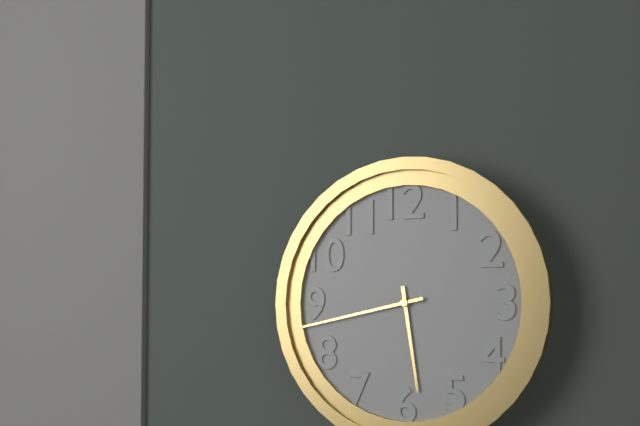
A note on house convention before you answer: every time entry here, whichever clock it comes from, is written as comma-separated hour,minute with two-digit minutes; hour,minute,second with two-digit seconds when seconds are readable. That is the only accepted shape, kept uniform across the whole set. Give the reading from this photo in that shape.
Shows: 5,43
